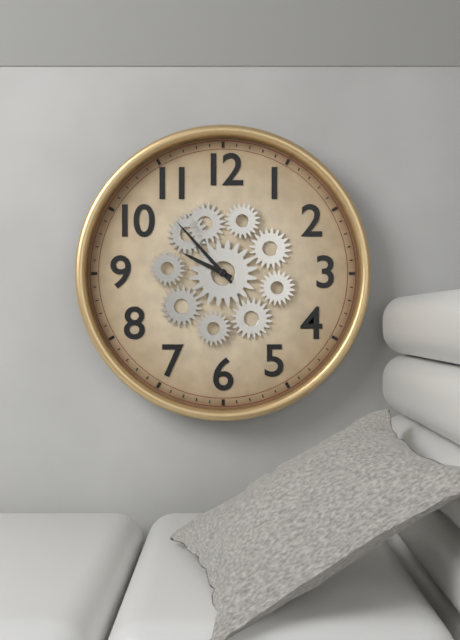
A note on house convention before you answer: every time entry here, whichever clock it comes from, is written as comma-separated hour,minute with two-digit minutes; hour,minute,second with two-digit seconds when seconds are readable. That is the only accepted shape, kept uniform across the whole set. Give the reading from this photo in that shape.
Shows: 9,53
